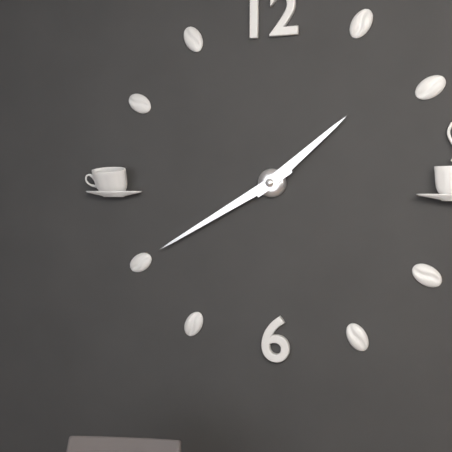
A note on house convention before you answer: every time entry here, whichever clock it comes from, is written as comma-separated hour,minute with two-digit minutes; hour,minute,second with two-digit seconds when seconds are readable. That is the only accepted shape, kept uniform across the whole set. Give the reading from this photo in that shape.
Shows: 1,40
